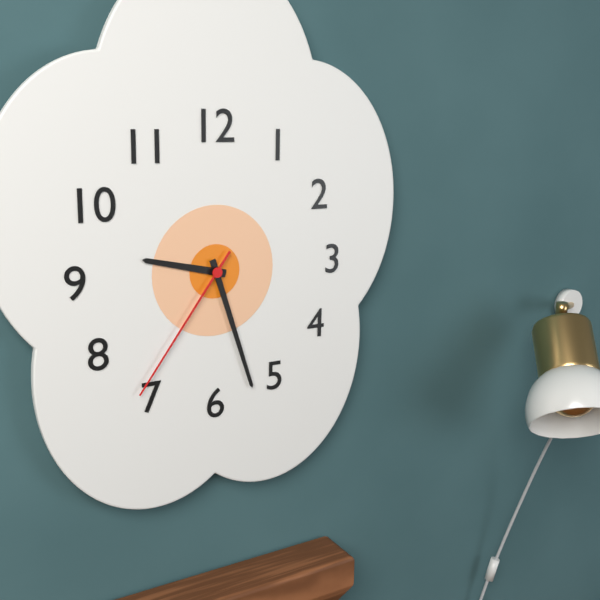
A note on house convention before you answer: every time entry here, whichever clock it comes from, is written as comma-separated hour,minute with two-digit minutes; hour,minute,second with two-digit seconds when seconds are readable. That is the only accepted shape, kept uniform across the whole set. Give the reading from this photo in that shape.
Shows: 9,27,36
